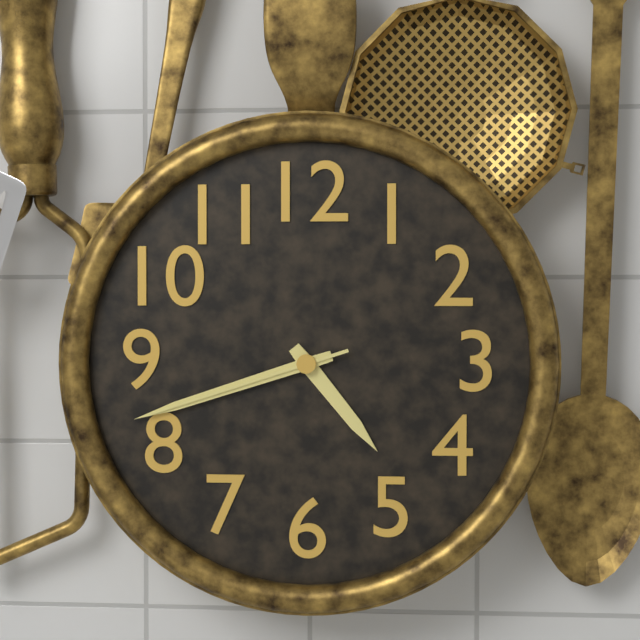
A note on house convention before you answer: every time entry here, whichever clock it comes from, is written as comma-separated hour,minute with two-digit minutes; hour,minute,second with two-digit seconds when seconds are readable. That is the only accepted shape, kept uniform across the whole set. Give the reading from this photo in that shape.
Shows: 4,42,42
